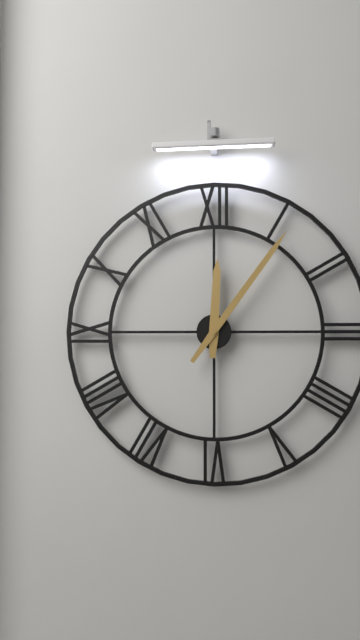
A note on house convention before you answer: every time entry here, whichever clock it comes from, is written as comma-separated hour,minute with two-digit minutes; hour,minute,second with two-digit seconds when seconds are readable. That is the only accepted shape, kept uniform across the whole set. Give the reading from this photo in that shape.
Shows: 12,06
